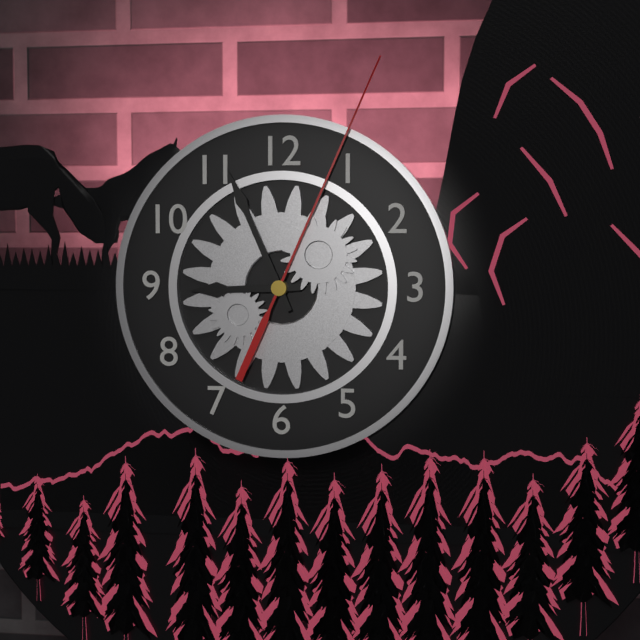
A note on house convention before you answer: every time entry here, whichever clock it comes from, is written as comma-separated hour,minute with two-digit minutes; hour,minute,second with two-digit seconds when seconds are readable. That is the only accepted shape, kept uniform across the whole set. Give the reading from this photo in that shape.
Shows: 8,56,04
